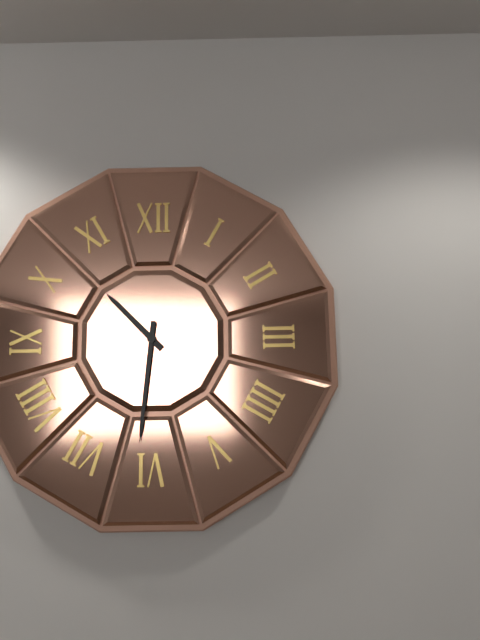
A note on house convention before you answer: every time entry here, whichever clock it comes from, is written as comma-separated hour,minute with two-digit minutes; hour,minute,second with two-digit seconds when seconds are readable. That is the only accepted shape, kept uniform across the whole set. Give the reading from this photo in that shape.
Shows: 10,31
